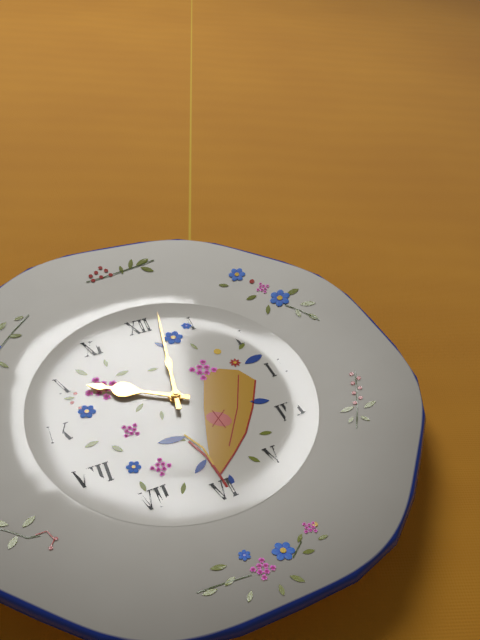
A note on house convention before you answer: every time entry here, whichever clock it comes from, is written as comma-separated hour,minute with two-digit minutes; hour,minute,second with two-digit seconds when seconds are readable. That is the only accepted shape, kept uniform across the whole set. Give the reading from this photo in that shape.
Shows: 10,02
